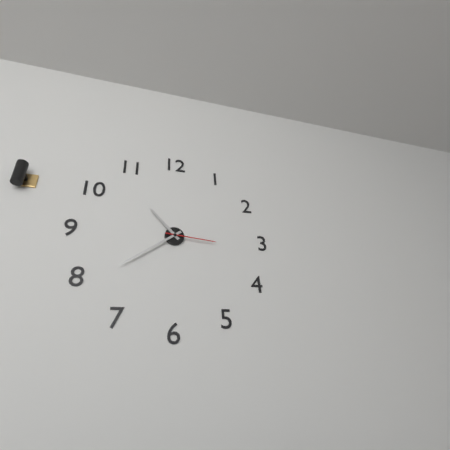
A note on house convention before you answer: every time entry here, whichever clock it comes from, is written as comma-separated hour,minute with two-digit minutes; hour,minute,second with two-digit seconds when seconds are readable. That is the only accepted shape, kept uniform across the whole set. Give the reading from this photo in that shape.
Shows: 10,39,16
